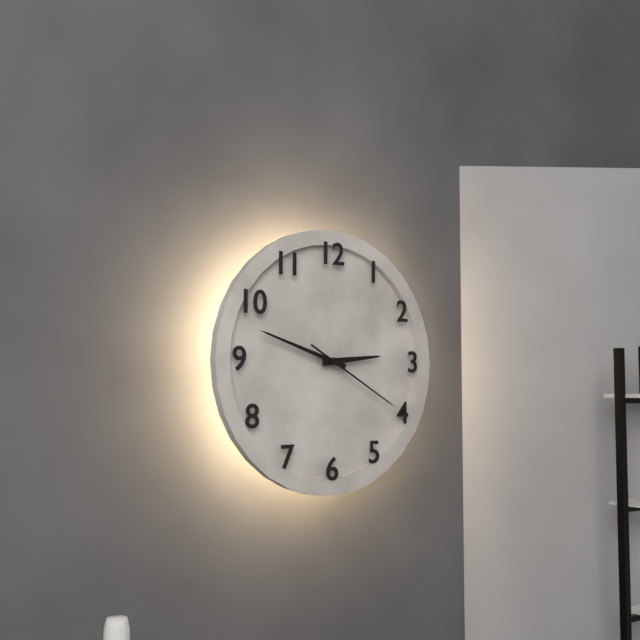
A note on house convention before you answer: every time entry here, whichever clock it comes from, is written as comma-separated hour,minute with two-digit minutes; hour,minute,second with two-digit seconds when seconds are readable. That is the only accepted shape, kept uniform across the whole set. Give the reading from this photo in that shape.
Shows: 2,48,20
